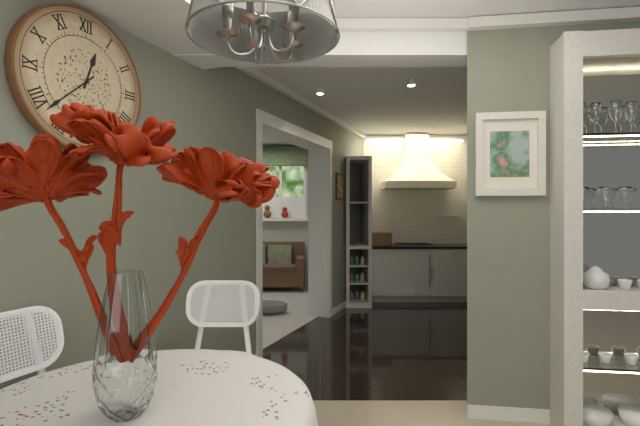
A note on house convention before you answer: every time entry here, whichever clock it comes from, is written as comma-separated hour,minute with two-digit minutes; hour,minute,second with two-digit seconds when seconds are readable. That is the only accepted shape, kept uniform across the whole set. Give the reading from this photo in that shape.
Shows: 12,38
